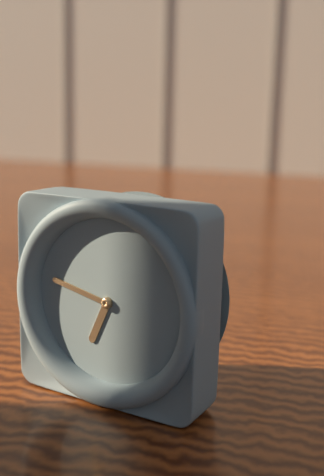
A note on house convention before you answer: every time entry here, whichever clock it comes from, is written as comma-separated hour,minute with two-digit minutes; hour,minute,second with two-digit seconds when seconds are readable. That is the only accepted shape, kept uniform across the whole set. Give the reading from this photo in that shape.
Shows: 6,47
